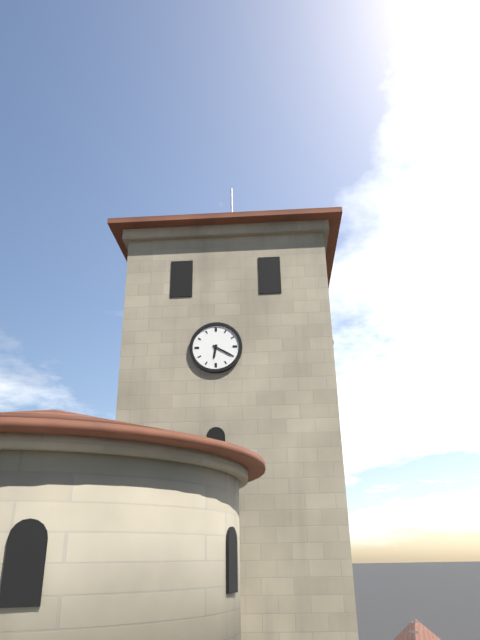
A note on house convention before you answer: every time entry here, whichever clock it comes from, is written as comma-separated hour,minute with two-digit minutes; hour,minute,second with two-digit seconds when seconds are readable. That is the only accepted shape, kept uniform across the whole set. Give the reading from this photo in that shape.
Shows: 6,20
